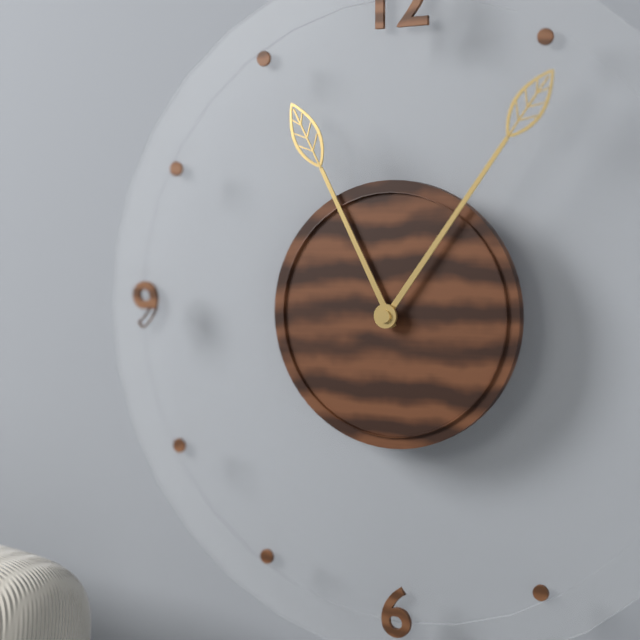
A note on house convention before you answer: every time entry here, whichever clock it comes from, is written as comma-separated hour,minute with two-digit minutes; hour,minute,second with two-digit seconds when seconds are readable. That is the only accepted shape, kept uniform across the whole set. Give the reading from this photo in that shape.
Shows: 11,06
